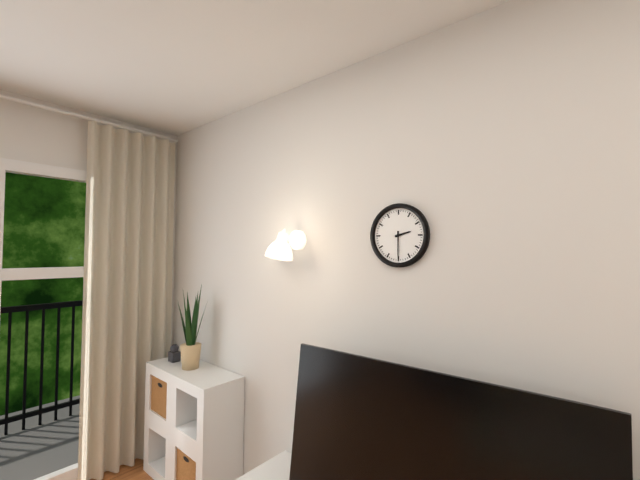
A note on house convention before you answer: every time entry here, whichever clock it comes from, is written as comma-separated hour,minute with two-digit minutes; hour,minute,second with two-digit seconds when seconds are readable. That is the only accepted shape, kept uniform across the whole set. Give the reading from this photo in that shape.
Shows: 2,30
